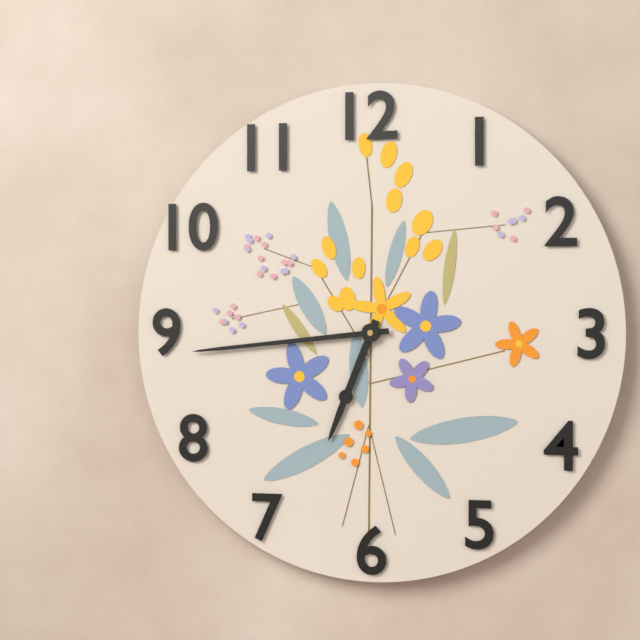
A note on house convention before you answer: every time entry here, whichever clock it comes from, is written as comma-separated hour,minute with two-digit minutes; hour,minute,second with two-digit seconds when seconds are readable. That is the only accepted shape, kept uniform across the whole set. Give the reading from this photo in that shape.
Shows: 6,44
